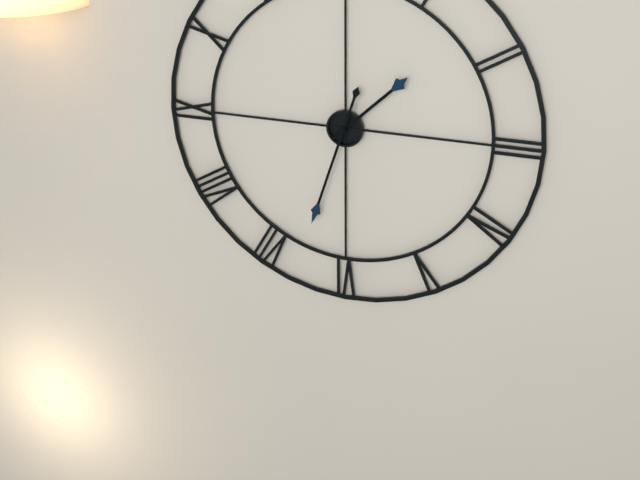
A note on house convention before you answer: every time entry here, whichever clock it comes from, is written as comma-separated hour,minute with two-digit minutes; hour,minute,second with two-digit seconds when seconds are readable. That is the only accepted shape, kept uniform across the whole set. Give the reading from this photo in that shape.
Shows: 1,33
